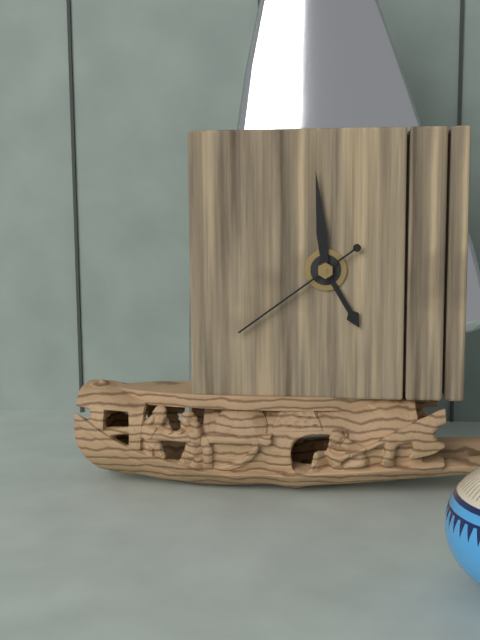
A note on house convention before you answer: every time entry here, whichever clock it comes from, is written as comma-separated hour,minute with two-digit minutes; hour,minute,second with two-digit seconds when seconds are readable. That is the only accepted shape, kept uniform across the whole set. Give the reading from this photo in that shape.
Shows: 4,59,39
